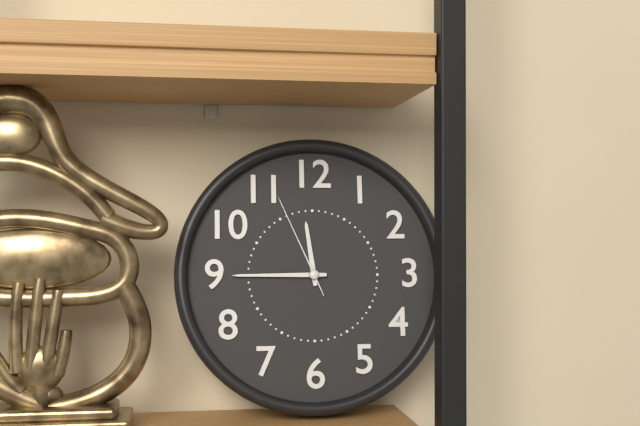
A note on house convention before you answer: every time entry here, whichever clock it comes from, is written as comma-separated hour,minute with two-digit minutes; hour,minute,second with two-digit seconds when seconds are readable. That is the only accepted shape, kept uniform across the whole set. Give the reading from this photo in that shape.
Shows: 11,45,56
